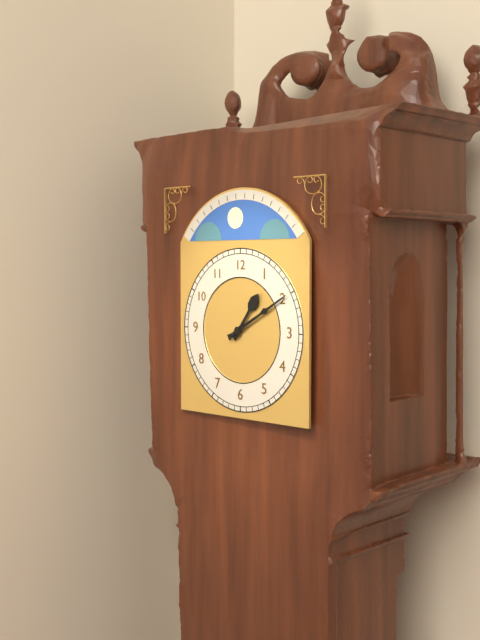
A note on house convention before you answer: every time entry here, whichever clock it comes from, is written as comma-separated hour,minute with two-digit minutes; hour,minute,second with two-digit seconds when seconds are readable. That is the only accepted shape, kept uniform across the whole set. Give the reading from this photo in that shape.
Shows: 1,10
